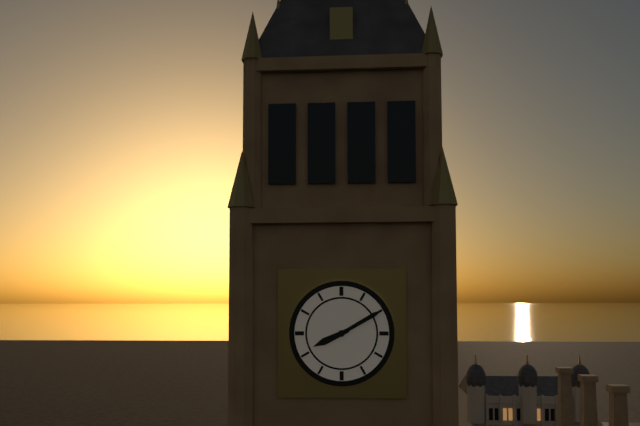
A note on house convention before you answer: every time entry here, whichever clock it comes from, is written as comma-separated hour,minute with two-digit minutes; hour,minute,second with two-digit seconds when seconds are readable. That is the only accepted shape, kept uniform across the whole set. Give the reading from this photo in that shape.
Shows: 8,10
